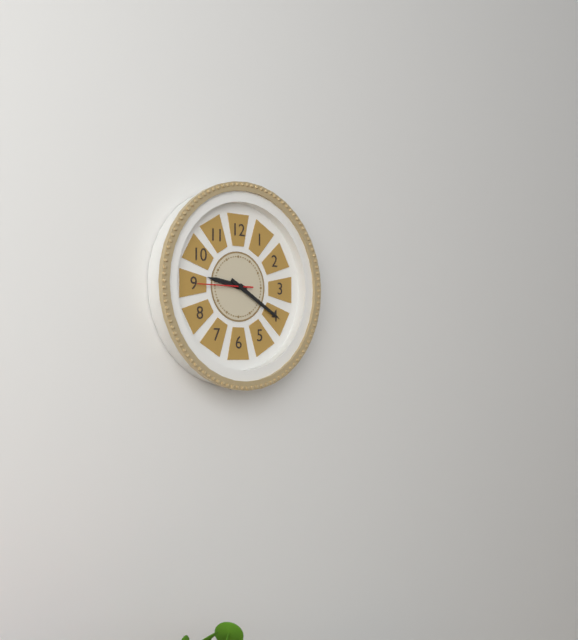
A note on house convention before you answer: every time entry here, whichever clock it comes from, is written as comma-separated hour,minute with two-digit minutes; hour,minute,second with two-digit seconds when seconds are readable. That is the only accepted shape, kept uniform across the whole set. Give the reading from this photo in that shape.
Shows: 9,20,45
